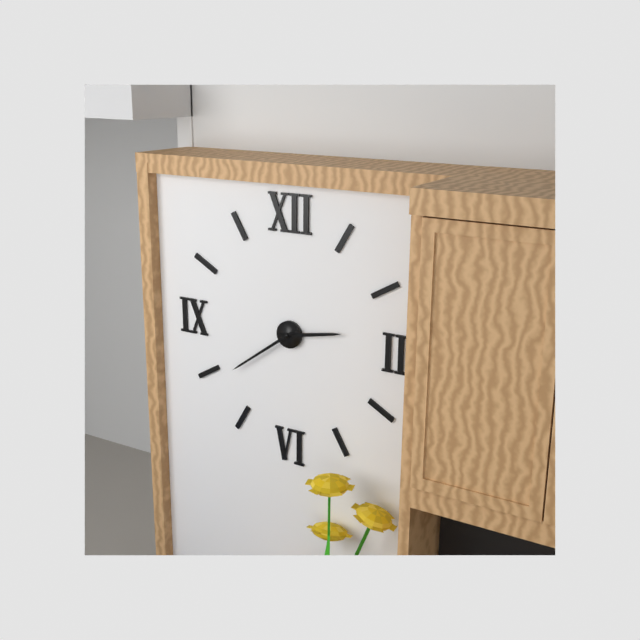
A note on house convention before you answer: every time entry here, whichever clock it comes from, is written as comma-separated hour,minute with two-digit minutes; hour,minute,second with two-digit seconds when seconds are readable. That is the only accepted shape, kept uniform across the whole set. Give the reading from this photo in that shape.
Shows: 2,39
